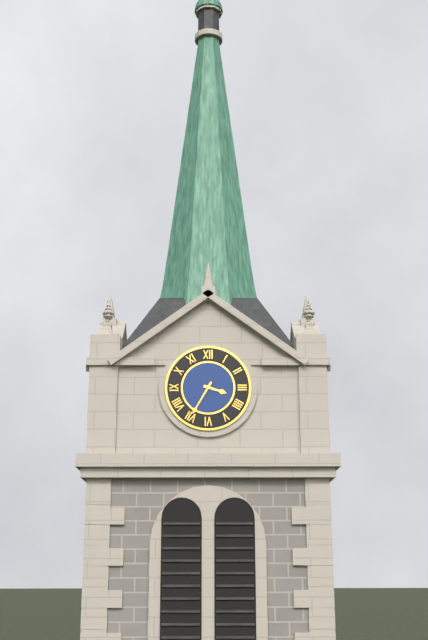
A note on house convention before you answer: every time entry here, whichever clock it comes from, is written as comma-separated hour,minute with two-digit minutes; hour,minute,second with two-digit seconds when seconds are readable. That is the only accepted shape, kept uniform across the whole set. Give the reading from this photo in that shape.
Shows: 3,35
